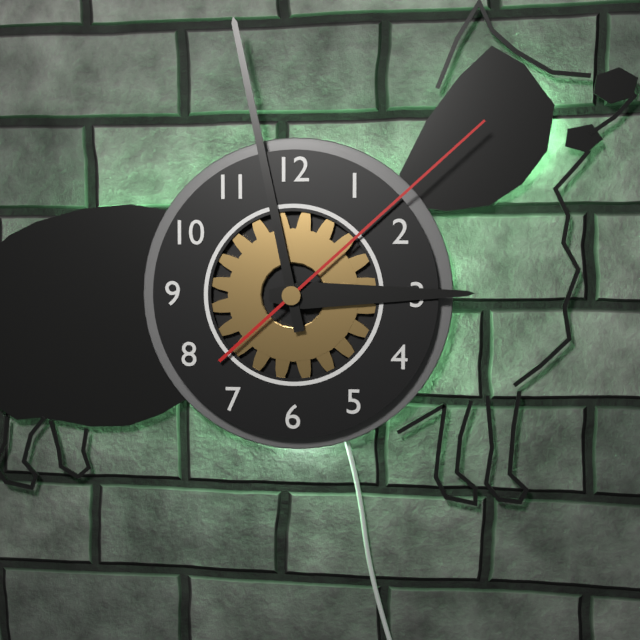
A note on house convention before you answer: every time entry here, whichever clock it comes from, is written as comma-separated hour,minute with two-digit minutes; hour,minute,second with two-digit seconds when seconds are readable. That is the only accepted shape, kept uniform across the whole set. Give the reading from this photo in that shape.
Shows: 2,58,08
